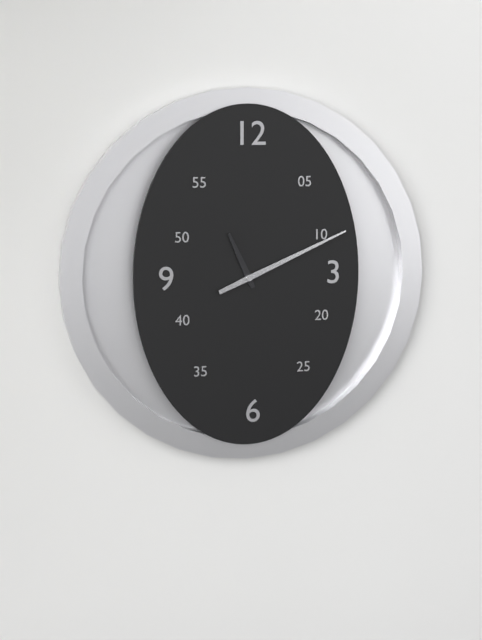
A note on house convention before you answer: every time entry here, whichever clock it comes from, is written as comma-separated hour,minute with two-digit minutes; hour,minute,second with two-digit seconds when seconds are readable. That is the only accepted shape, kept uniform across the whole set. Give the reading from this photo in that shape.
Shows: 11,11
